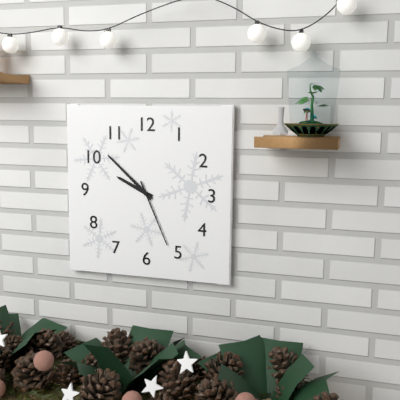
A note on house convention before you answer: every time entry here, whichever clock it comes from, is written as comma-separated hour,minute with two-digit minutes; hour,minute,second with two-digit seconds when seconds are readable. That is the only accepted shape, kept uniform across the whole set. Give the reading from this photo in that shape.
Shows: 9,52,26
